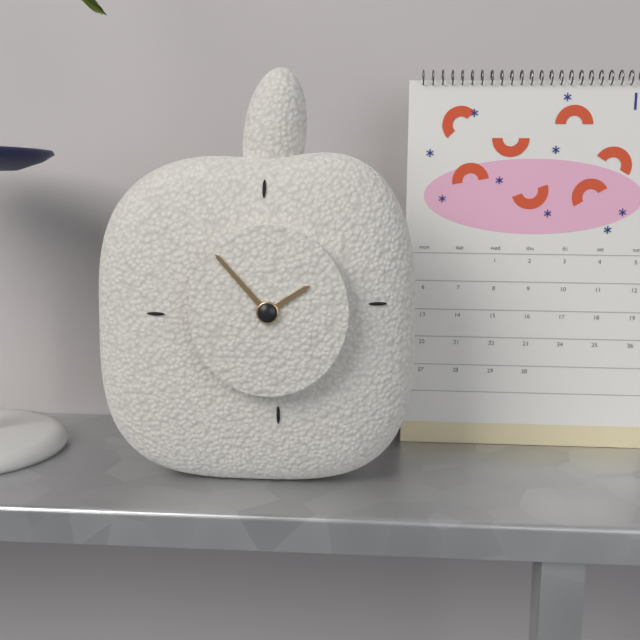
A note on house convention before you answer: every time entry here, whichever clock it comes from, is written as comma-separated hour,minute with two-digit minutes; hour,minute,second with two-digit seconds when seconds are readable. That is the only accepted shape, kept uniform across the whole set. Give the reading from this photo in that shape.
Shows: 1,53
